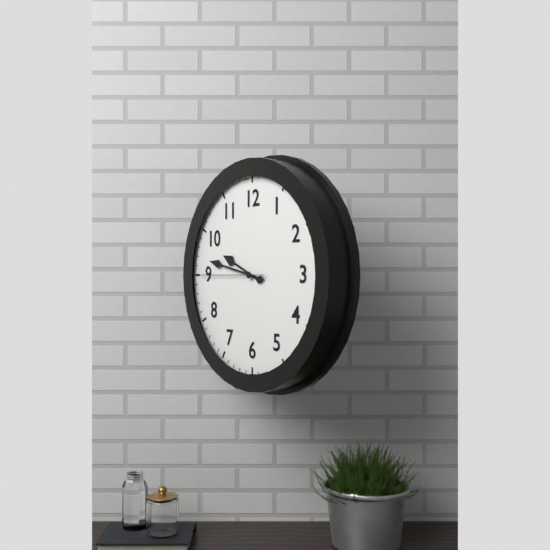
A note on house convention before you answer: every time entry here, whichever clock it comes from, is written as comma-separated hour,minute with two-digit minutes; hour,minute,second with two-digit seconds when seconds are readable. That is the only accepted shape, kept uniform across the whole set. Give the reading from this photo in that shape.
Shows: 9,47,45
